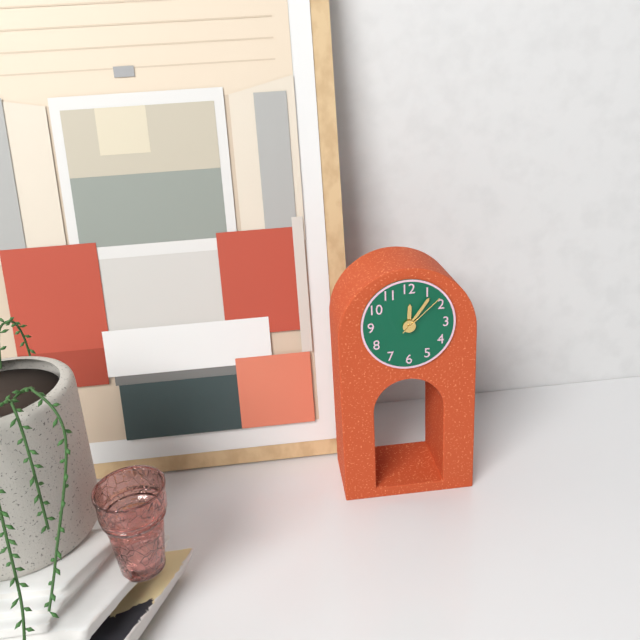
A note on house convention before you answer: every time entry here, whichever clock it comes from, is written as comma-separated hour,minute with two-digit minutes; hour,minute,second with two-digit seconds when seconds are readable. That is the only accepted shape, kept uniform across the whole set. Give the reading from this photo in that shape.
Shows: 12,06,08
